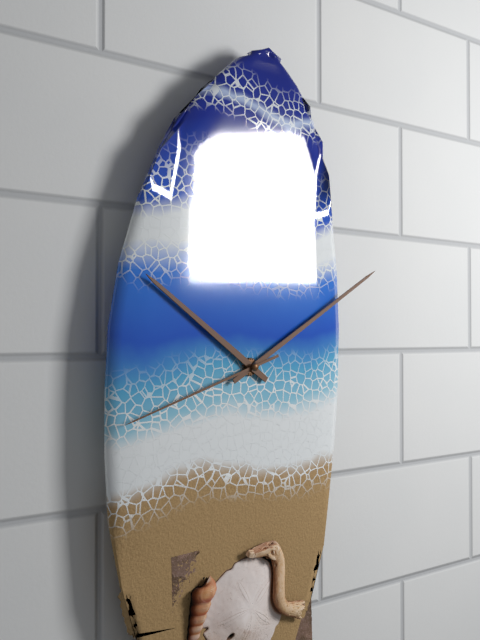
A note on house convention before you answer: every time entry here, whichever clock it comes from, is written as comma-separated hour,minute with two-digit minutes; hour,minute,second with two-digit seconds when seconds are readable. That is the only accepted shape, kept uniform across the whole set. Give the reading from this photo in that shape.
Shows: 10,10,42
